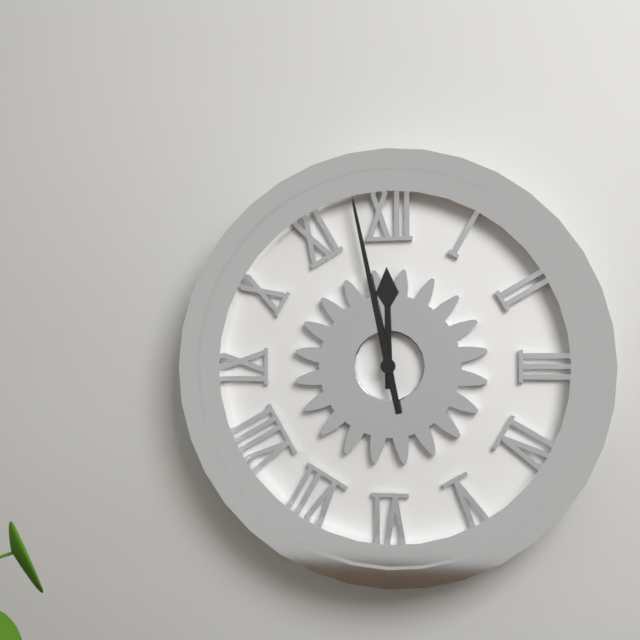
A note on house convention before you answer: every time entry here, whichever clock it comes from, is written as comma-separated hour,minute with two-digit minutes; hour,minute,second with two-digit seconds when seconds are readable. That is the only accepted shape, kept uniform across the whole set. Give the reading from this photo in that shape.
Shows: 11,58
